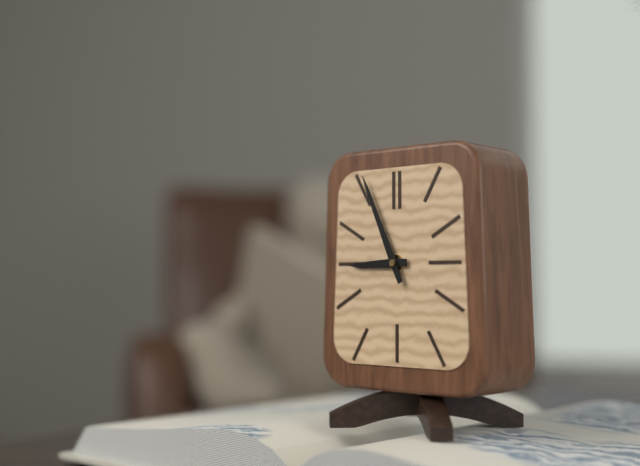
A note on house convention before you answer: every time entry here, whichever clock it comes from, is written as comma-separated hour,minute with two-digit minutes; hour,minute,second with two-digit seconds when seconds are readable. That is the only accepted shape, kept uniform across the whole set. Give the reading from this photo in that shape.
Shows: 8,56
